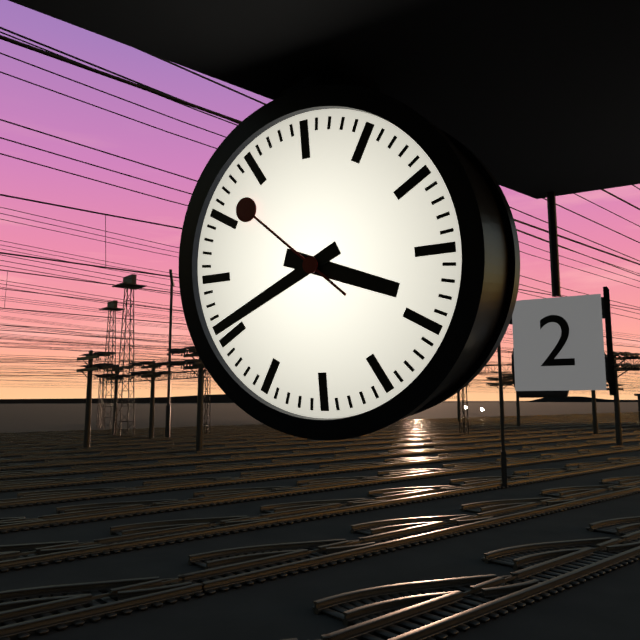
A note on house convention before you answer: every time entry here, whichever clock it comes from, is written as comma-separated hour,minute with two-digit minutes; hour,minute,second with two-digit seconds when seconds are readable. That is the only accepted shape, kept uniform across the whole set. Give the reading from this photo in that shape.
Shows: 3,41,52
